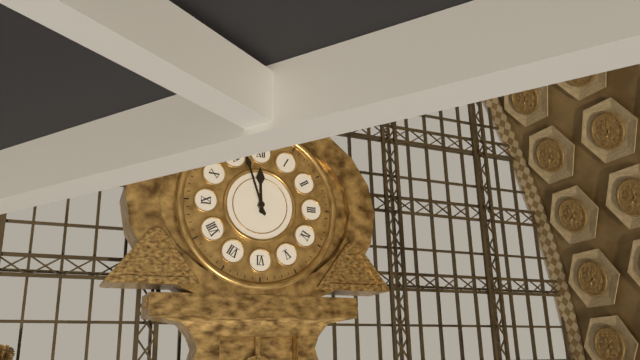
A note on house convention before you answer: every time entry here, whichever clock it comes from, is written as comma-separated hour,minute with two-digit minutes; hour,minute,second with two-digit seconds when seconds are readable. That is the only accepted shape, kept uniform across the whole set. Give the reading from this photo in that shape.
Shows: 11,57
